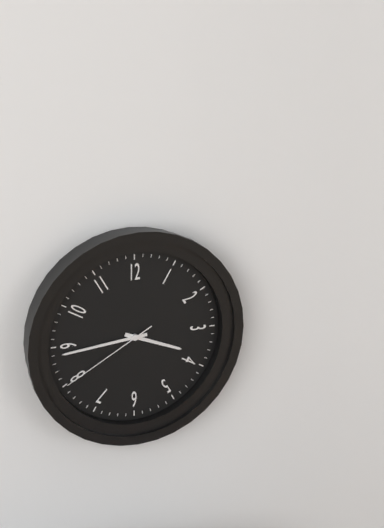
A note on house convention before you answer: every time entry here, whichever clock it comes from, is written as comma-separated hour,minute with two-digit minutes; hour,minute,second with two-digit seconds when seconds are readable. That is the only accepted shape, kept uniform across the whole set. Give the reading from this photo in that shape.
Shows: 3,44,40
